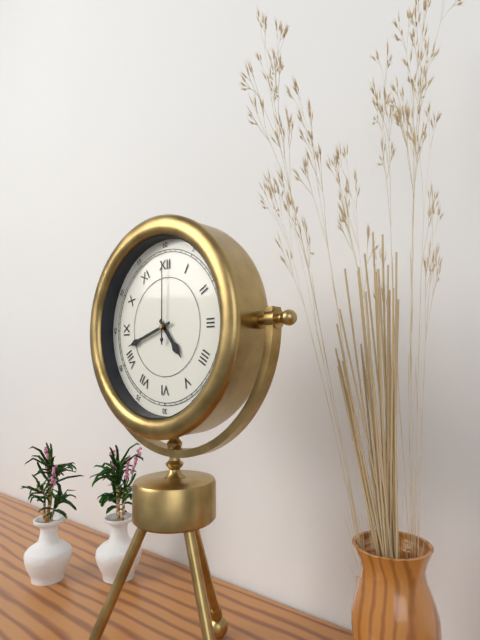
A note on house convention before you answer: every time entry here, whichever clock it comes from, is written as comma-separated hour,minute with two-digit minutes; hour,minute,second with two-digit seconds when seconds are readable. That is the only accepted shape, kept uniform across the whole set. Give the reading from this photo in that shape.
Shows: 4,42,00
